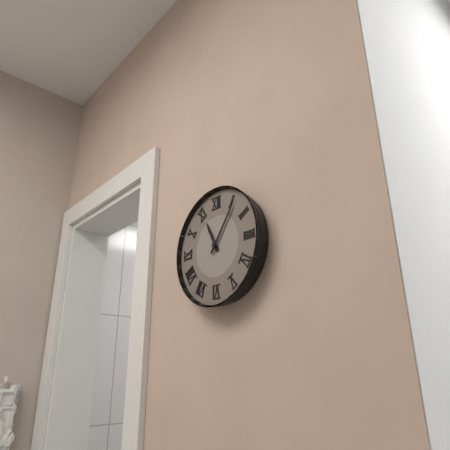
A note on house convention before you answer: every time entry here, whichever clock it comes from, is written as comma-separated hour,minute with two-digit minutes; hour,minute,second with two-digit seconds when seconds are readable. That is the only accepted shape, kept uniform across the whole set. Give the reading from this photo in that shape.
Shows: 11,06
